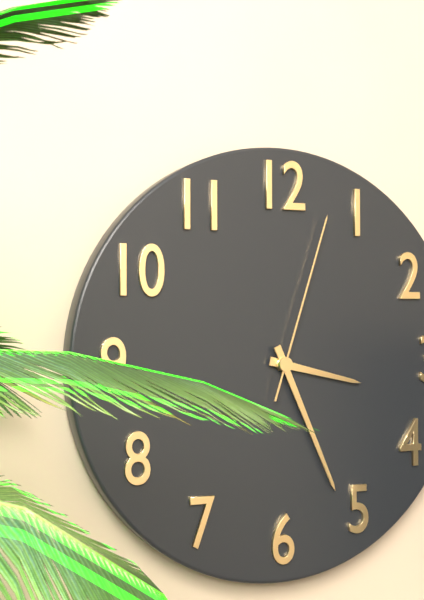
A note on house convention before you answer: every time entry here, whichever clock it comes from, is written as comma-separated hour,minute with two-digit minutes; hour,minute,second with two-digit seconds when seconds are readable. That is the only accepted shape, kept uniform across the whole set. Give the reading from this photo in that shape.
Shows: 3,26,03
